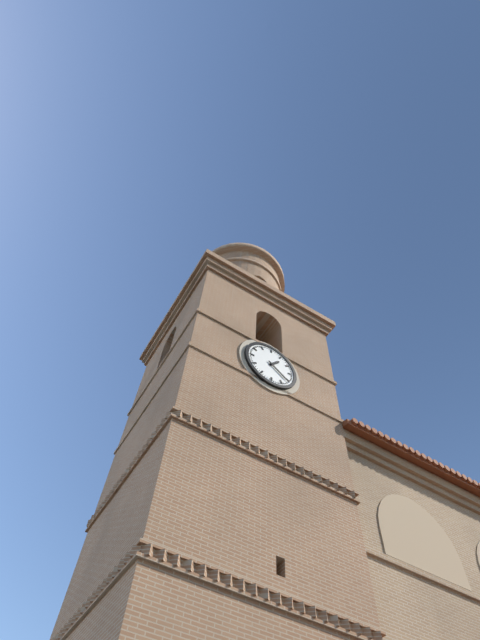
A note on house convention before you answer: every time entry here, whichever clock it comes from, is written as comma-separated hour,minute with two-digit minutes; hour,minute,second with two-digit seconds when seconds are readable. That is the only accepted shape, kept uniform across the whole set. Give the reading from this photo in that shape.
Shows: 1,21
